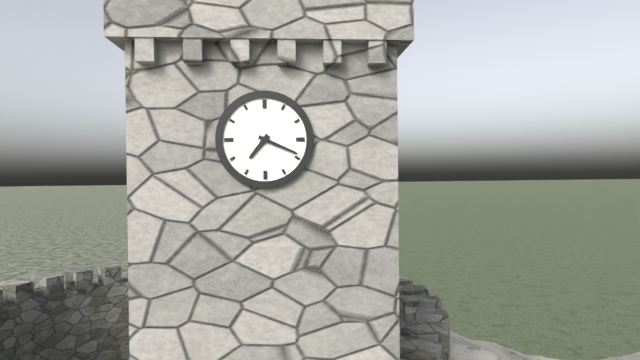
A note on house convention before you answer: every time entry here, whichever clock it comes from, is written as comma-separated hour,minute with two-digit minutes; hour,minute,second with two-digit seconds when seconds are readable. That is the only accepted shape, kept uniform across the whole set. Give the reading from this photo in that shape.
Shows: 7,19
